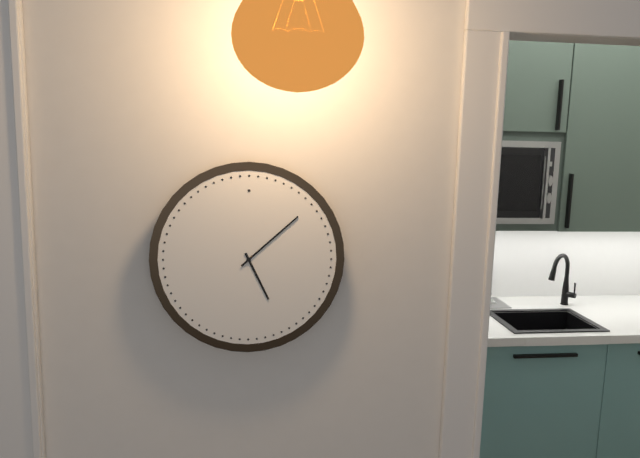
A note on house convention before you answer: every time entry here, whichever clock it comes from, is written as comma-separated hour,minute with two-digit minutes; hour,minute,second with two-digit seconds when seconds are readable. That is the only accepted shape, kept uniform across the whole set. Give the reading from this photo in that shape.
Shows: 5,08
